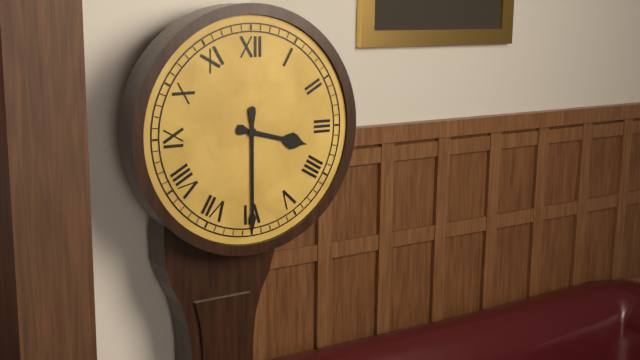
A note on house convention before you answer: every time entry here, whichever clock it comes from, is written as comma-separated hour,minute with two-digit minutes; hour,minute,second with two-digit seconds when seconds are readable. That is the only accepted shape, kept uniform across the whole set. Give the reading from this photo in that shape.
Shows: 3,30
